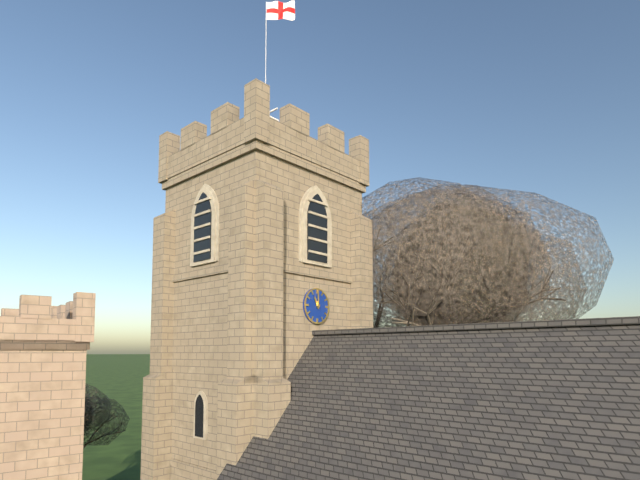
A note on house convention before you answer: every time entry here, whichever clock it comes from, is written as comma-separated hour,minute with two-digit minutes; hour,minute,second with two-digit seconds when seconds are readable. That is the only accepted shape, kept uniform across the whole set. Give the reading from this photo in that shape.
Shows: 11,00
